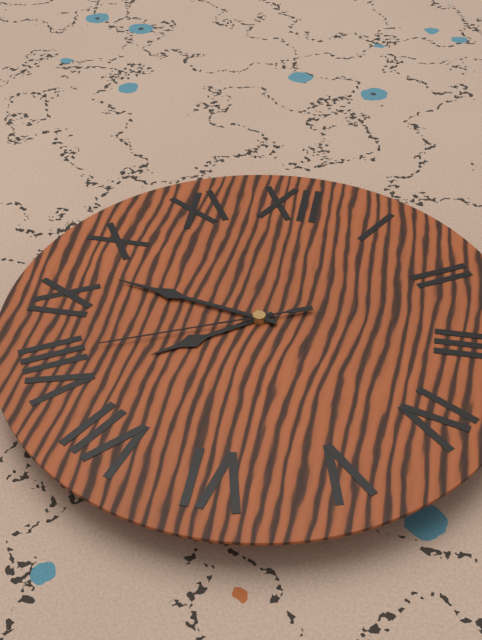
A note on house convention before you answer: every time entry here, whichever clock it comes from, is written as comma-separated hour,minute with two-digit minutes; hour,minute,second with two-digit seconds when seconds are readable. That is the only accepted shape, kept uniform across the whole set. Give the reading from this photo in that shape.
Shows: 7,47,41
